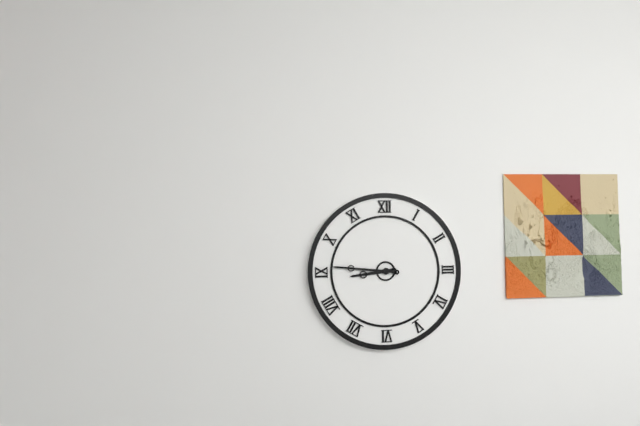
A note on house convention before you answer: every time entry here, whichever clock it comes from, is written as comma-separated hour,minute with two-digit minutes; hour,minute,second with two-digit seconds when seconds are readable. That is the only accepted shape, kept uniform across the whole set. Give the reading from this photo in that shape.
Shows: 8,46
